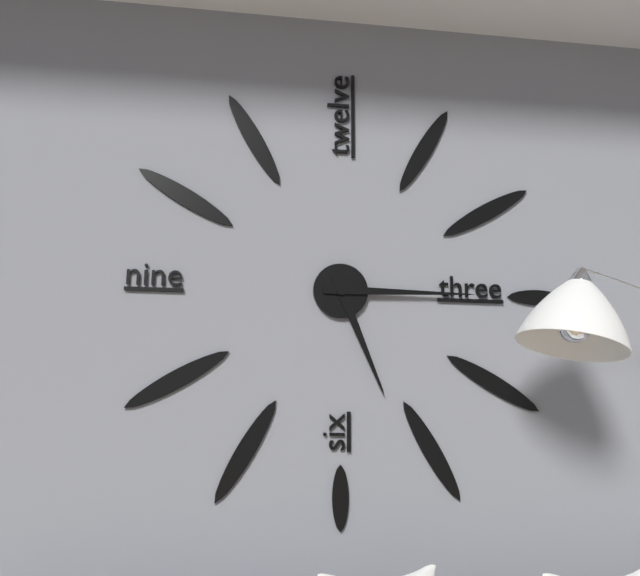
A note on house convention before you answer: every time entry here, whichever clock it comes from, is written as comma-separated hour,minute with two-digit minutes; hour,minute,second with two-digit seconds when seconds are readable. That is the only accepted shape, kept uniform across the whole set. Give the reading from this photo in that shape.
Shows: 5,15
